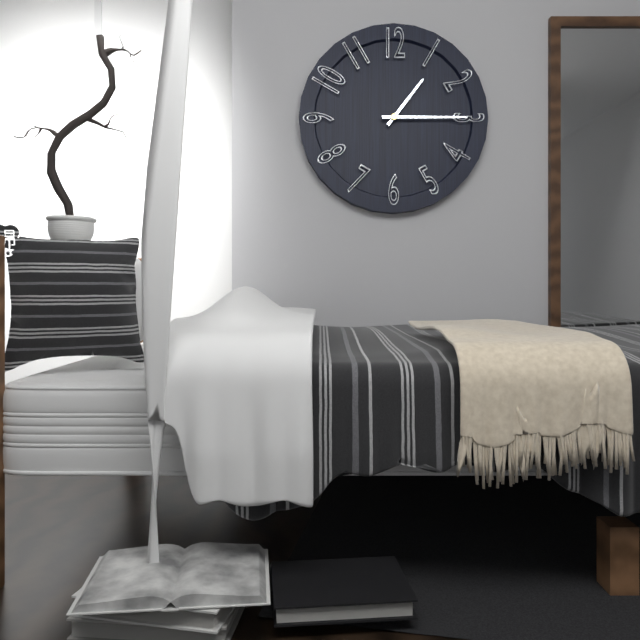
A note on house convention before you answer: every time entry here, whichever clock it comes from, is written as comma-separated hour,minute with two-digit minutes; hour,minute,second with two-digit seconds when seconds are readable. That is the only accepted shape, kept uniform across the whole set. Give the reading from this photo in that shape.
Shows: 1,15
